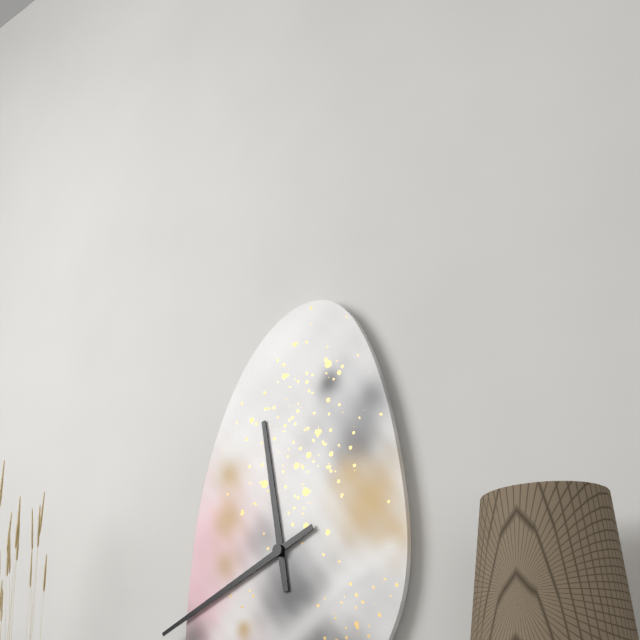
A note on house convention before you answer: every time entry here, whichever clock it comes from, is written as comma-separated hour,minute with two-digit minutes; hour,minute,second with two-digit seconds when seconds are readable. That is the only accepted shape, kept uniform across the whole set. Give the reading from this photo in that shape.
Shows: 11,41
